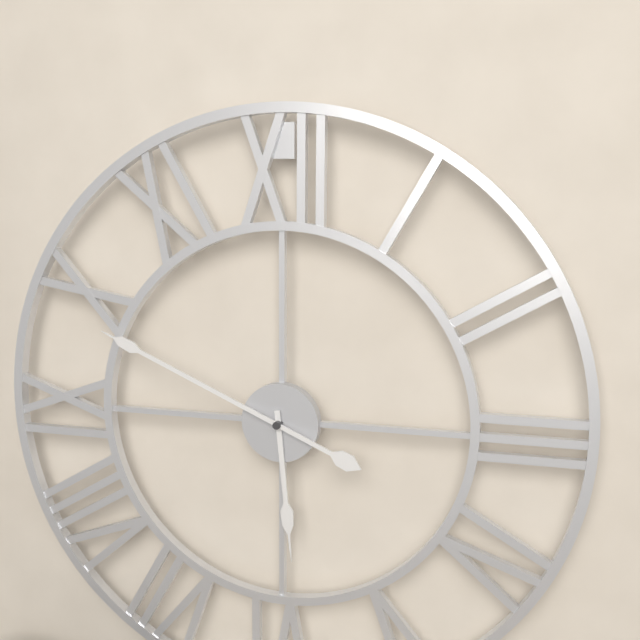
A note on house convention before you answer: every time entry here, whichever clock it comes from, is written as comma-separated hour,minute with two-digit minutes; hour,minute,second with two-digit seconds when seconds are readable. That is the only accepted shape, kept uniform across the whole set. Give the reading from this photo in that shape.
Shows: 5,49
